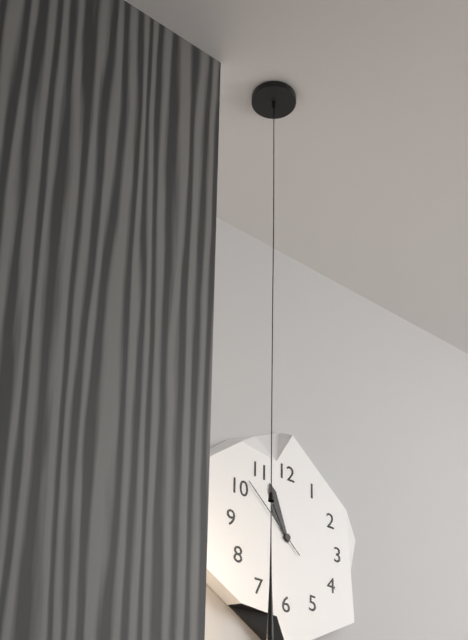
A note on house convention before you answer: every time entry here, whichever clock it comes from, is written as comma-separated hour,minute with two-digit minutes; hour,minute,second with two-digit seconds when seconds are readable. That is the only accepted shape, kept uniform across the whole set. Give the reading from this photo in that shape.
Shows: 10,56,52
